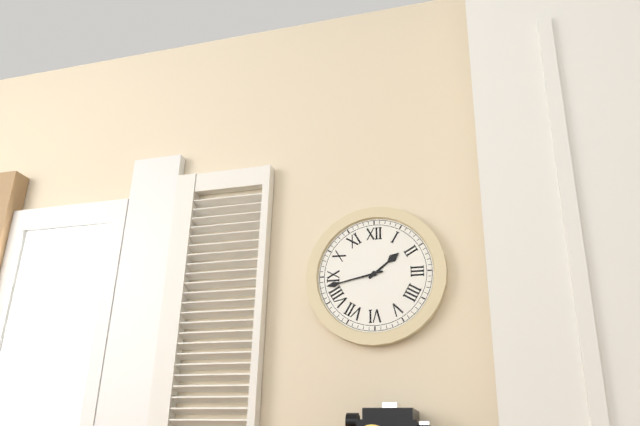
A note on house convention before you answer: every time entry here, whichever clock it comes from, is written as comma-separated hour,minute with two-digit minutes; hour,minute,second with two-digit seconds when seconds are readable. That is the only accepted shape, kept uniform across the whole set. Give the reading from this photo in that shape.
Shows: 1,43
